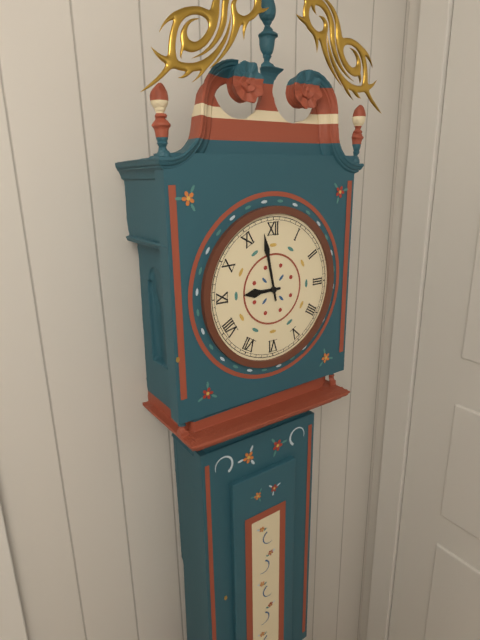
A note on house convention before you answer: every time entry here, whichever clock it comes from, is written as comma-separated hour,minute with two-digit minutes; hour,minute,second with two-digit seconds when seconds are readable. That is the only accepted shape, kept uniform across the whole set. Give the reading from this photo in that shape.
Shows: 8,58
